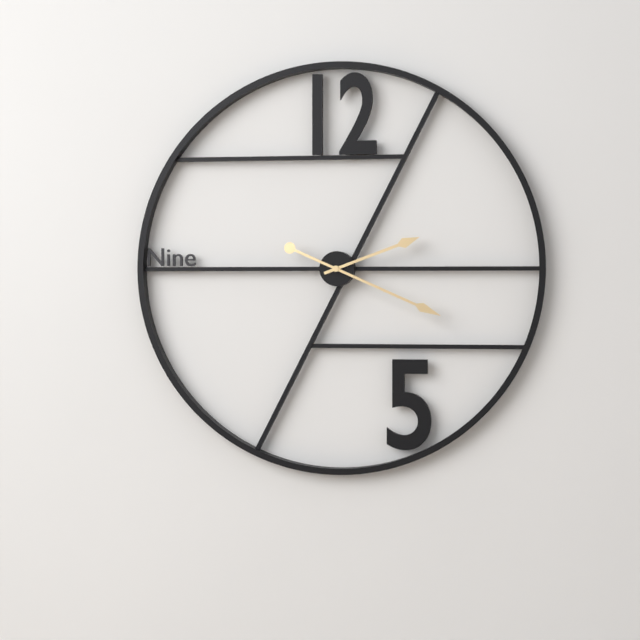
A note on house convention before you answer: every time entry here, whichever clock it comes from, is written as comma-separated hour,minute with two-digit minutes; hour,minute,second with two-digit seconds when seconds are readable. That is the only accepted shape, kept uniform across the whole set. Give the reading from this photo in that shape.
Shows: 2,19
